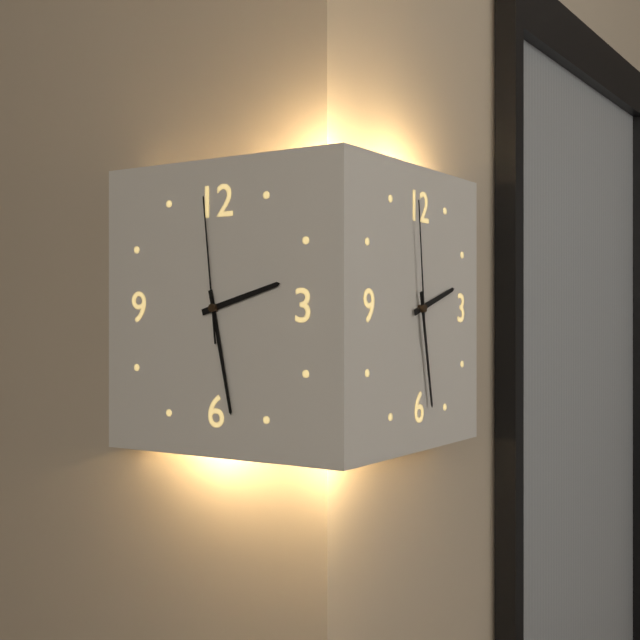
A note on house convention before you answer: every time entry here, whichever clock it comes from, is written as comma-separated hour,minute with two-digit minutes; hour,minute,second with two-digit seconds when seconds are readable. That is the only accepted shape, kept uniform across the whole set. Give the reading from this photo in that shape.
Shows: 2,28,59
